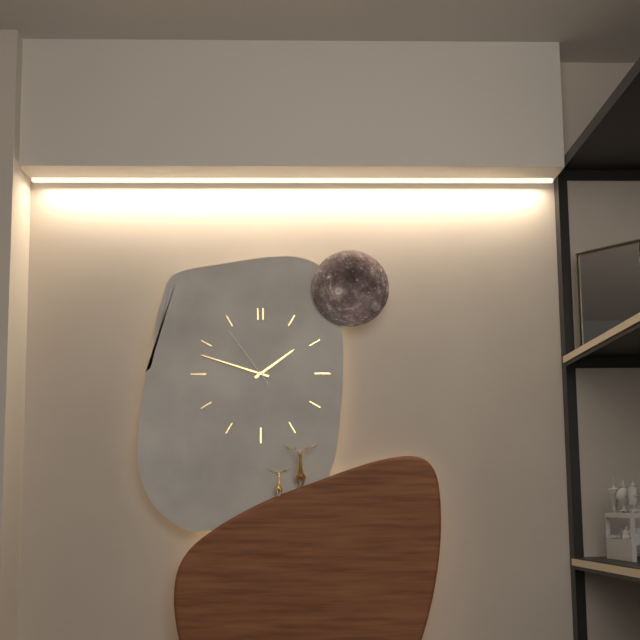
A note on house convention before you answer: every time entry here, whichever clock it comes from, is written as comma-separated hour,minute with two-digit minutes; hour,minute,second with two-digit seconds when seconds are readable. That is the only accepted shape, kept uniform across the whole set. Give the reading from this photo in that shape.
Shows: 1,48,54
